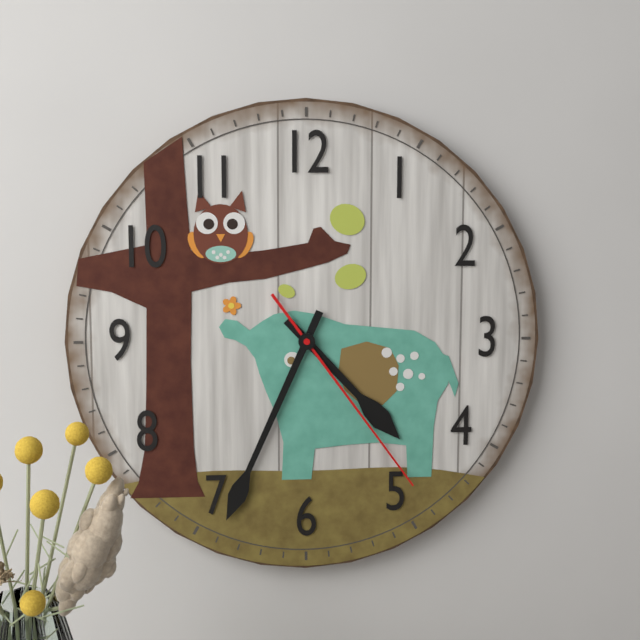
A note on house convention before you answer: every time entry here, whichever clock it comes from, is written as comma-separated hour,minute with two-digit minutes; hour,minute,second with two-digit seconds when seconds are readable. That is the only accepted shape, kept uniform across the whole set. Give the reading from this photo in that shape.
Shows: 4,34,24
